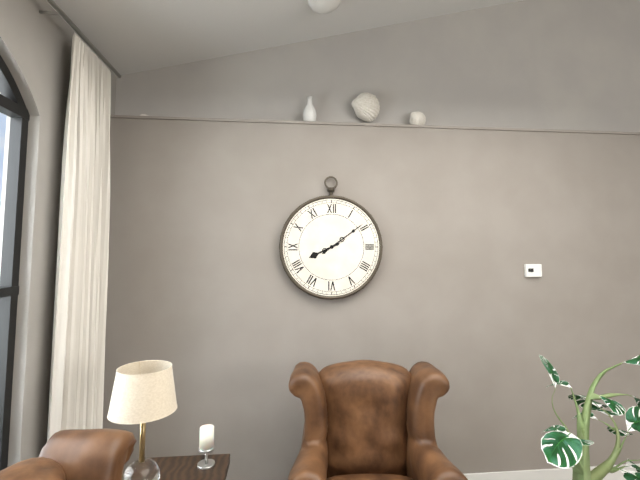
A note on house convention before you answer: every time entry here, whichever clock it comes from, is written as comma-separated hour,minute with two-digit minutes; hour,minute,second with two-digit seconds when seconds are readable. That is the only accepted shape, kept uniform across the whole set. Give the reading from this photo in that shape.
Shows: 8,09
